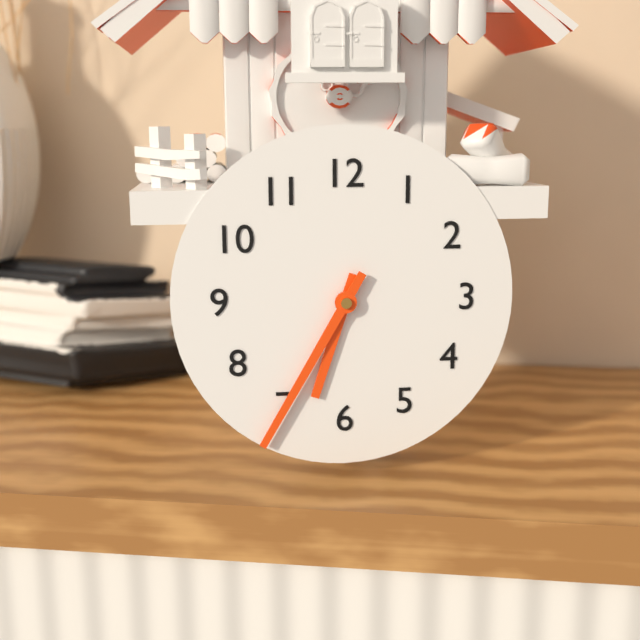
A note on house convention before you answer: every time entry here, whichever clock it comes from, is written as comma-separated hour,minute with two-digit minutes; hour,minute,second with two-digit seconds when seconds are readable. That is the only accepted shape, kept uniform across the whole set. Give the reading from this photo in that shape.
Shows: 6,35
